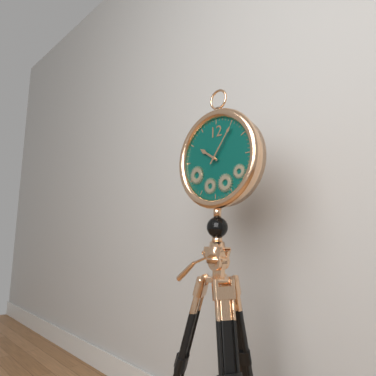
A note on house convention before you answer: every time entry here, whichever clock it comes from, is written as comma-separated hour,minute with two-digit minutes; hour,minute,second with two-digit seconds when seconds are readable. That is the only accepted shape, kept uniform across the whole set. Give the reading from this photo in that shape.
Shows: 10,06
